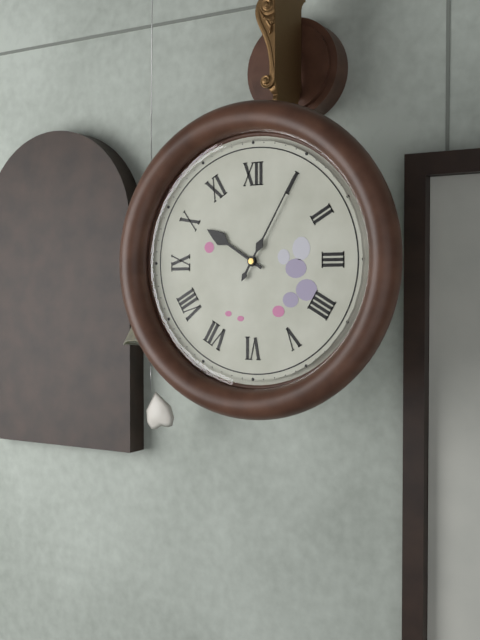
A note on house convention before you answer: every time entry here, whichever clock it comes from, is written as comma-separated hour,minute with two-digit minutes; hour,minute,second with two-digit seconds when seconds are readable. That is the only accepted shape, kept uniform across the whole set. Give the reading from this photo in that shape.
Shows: 10,05
